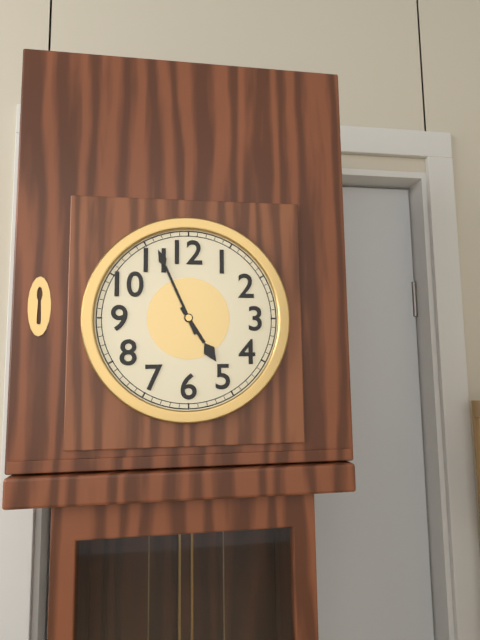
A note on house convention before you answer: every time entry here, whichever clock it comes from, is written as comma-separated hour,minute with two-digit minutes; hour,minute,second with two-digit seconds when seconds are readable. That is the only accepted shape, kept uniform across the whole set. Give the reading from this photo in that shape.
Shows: 4,56
